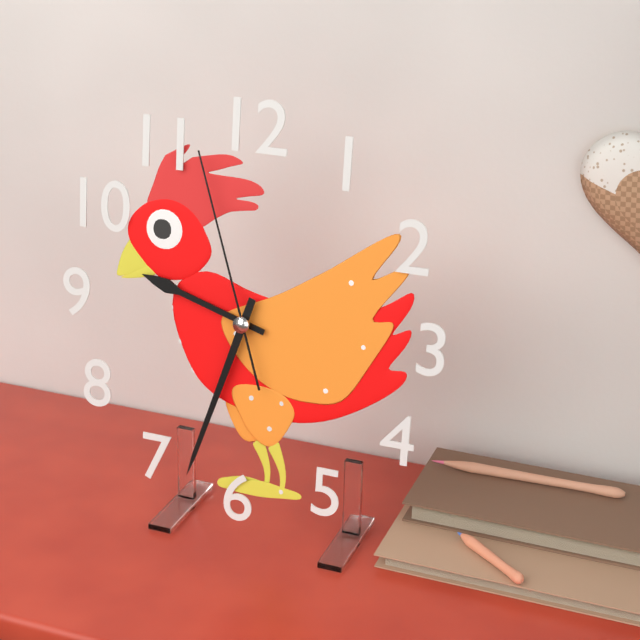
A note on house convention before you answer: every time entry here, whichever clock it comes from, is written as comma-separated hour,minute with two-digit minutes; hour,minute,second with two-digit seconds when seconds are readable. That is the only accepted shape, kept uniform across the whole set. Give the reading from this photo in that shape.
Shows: 9,33,57
